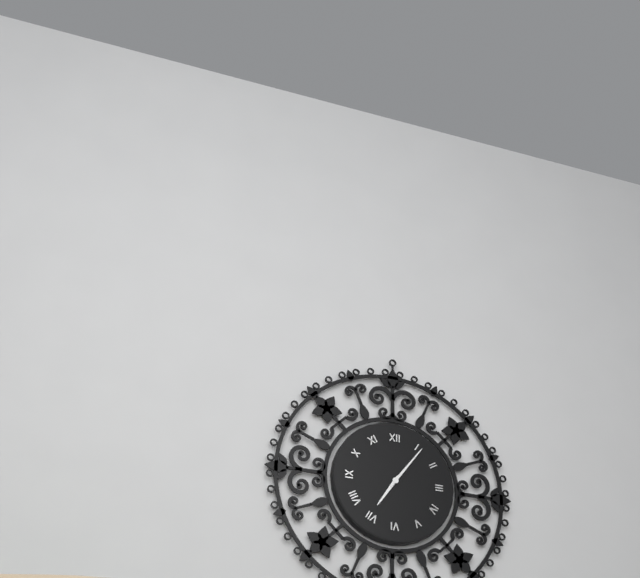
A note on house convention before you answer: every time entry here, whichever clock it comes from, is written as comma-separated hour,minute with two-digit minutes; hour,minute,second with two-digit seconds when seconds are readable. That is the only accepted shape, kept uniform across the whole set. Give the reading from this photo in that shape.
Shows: 7,06
